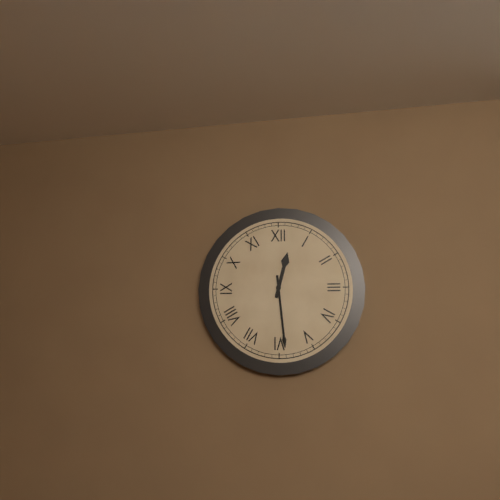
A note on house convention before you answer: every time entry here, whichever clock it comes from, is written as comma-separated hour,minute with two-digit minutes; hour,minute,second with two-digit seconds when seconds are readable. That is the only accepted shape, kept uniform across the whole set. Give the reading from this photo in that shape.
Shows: 12,29
